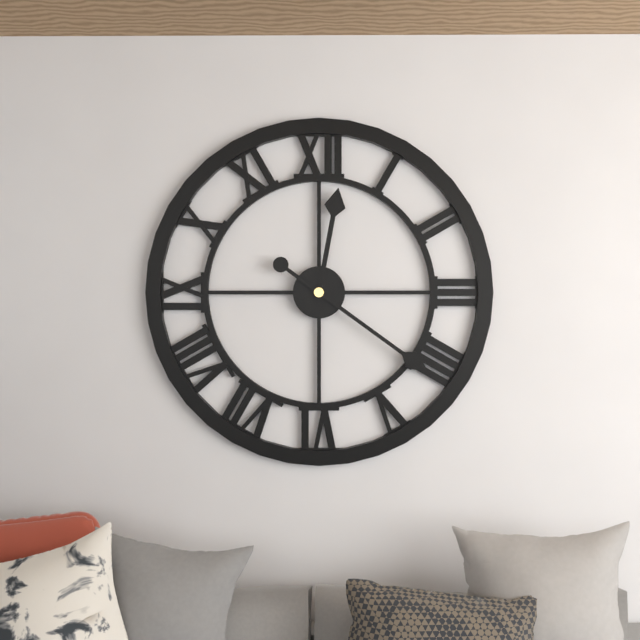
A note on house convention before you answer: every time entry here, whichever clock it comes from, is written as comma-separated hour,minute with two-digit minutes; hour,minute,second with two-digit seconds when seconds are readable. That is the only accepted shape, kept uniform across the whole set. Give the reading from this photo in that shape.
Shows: 12,21
